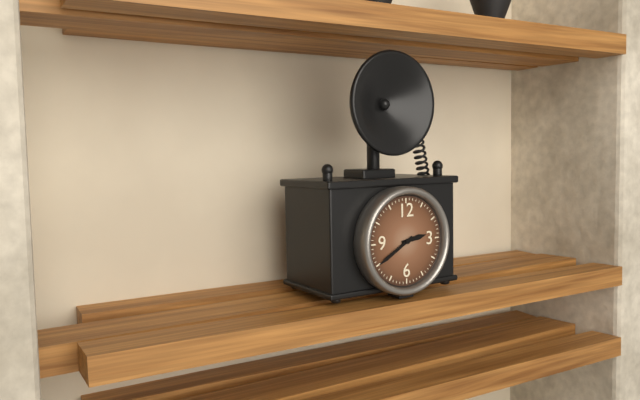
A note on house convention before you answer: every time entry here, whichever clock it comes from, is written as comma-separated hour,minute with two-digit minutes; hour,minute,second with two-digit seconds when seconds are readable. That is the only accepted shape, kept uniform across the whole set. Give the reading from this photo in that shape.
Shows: 2,40
